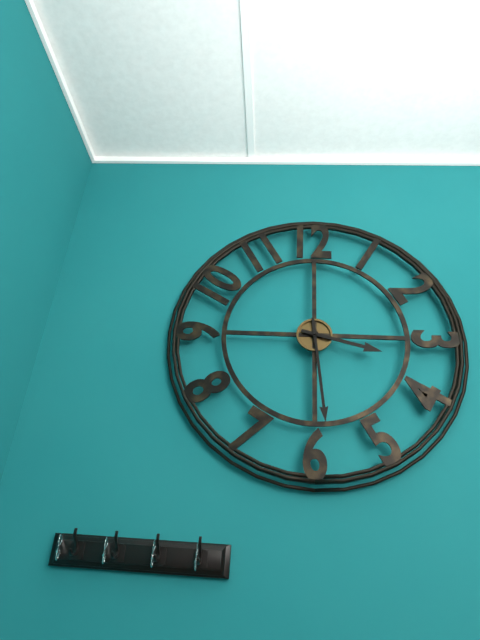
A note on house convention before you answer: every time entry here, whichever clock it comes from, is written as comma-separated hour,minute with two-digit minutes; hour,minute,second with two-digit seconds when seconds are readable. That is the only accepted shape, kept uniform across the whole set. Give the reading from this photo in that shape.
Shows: 3,29
